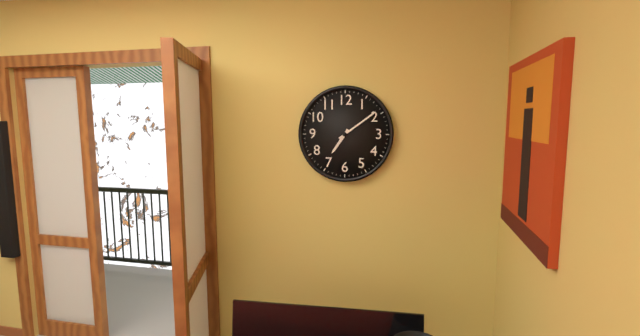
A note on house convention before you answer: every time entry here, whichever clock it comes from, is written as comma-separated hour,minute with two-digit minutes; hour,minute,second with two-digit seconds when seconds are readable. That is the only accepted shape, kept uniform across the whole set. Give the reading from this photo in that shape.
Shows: 7,09
